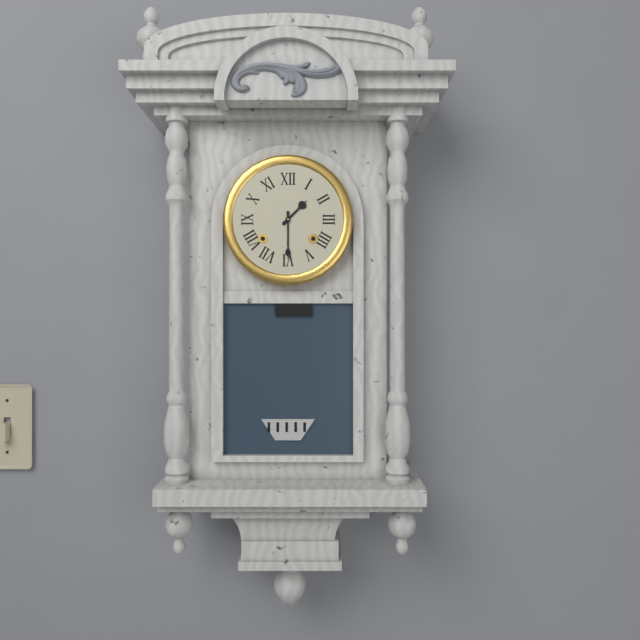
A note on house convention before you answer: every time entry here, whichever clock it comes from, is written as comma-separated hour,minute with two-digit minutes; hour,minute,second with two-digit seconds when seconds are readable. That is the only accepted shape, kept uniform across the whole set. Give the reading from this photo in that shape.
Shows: 1,30
